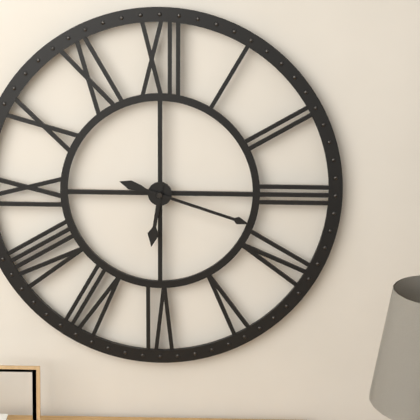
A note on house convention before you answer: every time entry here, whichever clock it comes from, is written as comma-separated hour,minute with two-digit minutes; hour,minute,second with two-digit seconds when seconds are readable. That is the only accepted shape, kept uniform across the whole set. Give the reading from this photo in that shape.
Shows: 6,18
